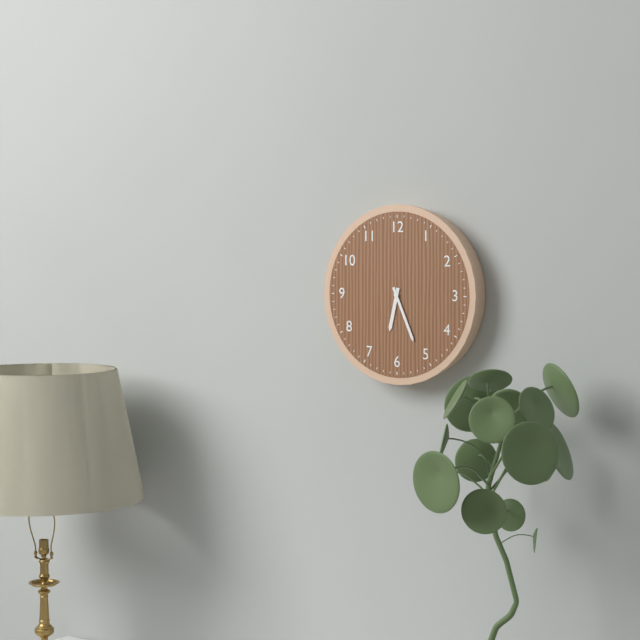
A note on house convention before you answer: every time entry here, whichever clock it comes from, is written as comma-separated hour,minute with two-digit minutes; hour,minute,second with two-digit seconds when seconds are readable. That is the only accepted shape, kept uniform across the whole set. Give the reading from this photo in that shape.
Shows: 6,26
